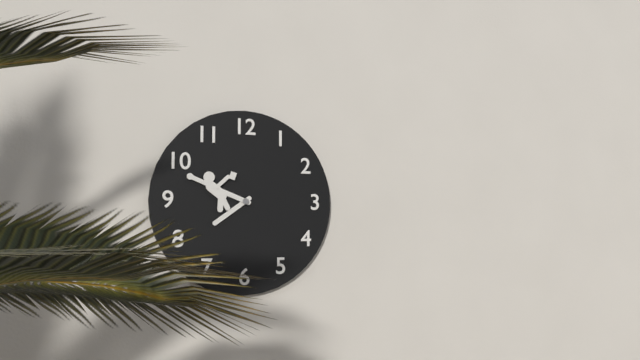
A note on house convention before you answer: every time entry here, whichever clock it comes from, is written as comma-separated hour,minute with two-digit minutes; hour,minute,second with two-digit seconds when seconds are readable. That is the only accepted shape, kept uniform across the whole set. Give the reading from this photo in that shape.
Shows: 7,48
